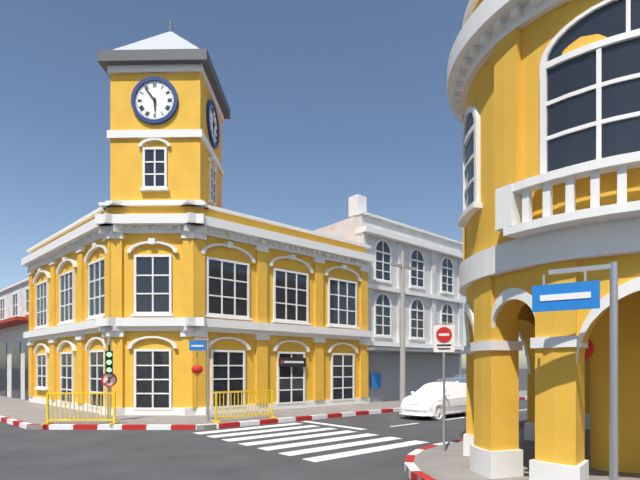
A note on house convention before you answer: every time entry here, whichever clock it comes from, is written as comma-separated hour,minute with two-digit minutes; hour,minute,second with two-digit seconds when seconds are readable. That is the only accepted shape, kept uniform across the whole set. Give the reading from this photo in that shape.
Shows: 5,54
